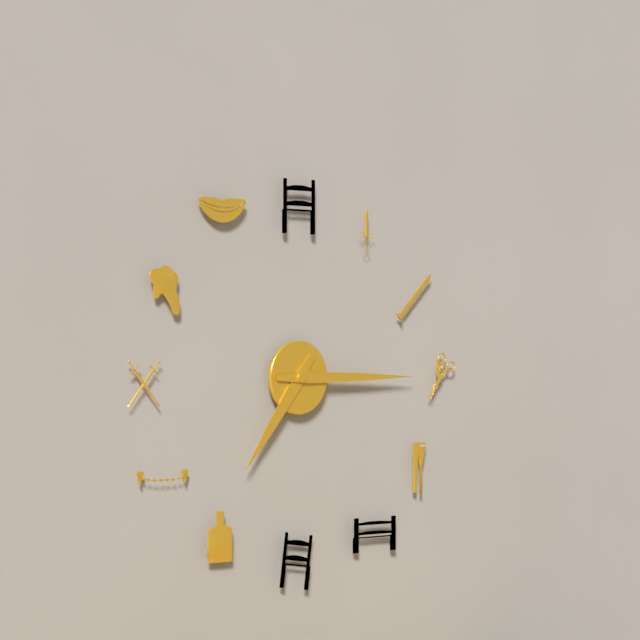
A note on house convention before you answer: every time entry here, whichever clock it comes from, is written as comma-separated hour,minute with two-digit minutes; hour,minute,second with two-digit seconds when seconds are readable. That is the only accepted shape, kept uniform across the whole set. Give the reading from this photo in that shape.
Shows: 7,15
